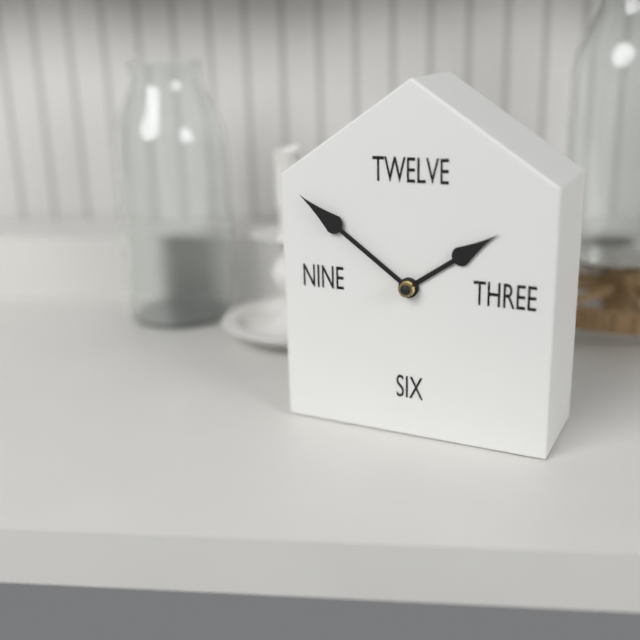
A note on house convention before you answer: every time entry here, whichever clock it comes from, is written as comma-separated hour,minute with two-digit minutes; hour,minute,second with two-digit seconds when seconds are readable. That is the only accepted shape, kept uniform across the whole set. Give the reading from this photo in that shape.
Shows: 1,51
